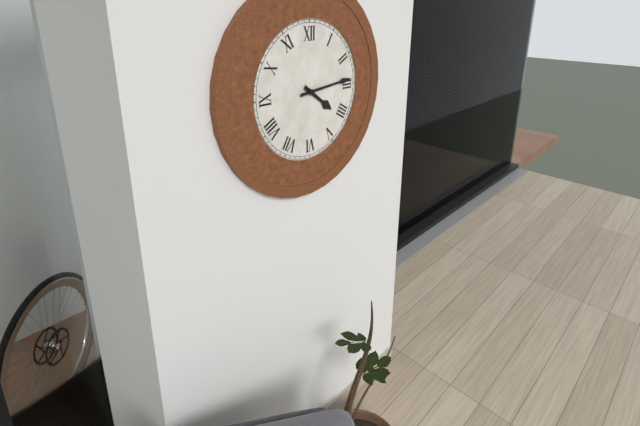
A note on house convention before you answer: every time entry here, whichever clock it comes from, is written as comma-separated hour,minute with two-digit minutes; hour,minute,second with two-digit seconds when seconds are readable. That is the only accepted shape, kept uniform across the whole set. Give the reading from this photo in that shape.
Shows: 4,14
